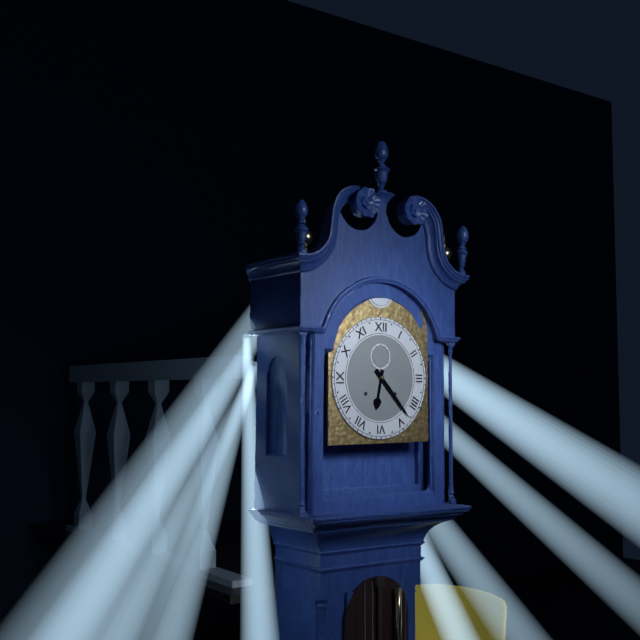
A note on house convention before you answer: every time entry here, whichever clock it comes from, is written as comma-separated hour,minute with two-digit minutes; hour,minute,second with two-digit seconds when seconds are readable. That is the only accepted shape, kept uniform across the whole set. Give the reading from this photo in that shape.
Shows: 6,23
